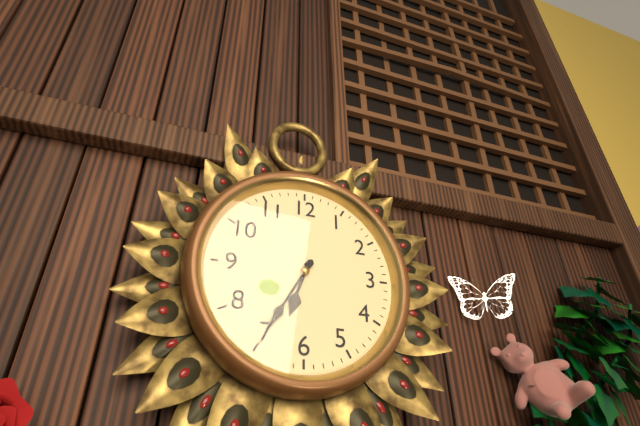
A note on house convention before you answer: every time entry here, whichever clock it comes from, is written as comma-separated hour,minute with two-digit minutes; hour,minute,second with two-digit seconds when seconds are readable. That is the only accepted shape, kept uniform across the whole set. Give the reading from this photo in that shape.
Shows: 6,35
